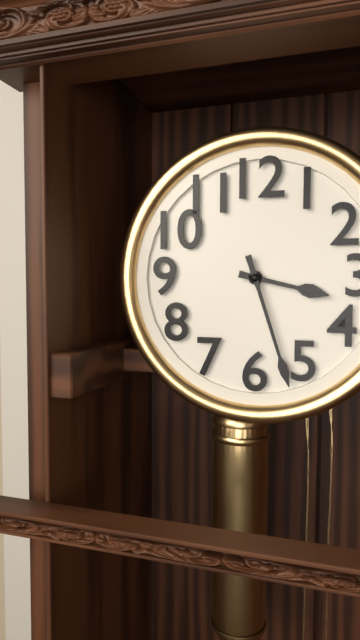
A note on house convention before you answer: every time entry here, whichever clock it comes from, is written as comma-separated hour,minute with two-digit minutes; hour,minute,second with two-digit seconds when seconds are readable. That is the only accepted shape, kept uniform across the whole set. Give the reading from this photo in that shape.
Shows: 3,27
